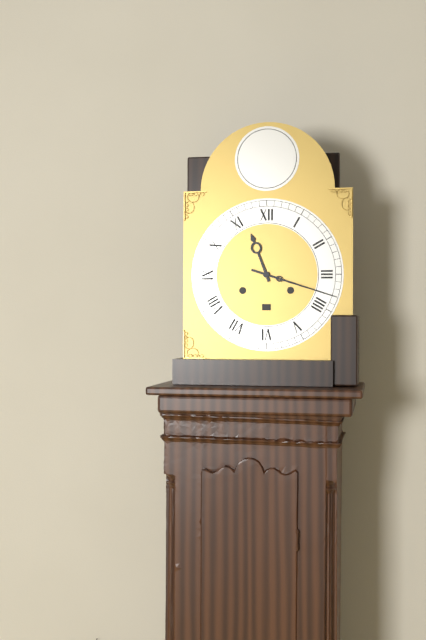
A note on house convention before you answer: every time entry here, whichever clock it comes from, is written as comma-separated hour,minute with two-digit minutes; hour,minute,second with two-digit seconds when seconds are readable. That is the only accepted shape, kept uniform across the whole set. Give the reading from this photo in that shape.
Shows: 11,18
